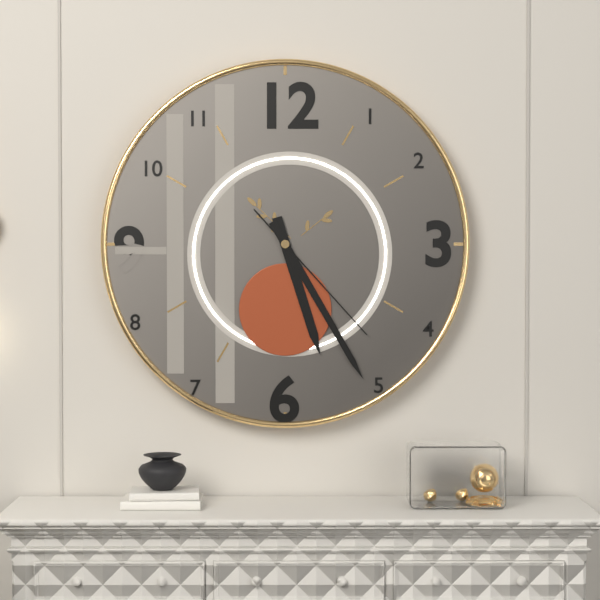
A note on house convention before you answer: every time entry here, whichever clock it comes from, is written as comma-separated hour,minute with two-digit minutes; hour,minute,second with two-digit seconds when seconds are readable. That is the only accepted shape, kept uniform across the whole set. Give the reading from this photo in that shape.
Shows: 5,25,23
